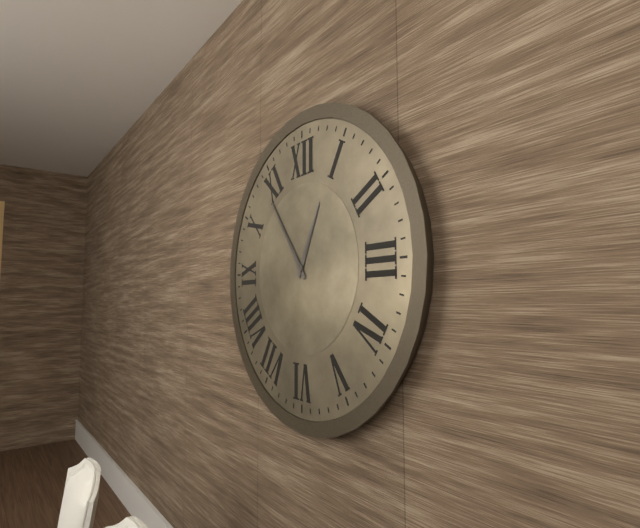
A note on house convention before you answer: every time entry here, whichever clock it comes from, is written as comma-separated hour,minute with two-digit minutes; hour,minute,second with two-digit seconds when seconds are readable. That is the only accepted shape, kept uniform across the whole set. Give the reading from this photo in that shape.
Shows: 12,54
